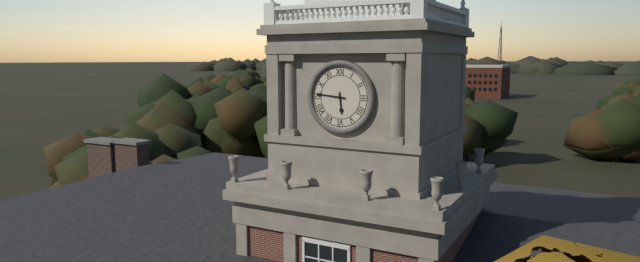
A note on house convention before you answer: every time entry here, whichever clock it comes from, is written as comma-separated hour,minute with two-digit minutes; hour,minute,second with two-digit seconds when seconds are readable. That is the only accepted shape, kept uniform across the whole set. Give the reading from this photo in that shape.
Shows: 5,46
